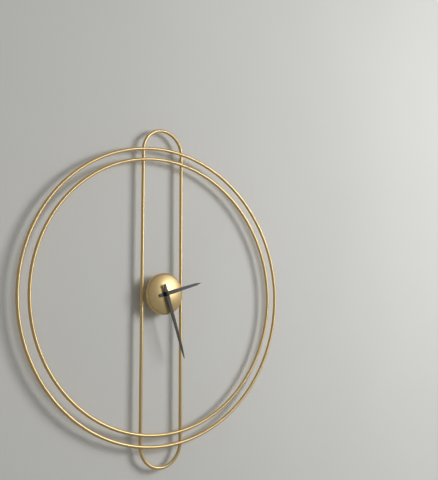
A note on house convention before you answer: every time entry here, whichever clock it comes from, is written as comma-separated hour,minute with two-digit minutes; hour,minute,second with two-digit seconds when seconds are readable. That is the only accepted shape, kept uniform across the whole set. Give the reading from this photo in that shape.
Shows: 2,27
